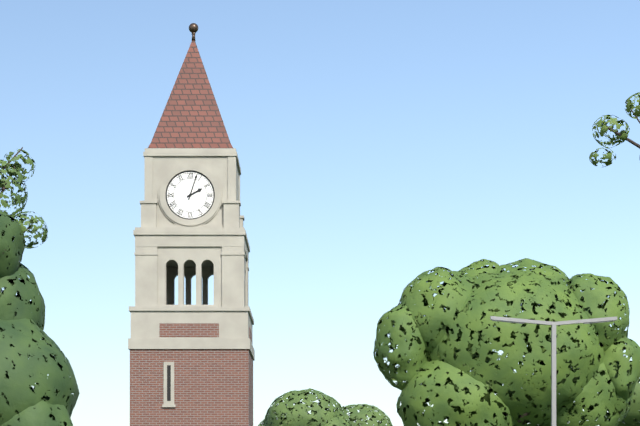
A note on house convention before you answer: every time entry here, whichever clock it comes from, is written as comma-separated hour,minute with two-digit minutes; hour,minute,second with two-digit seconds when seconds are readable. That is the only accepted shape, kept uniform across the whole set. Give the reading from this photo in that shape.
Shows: 2,03
